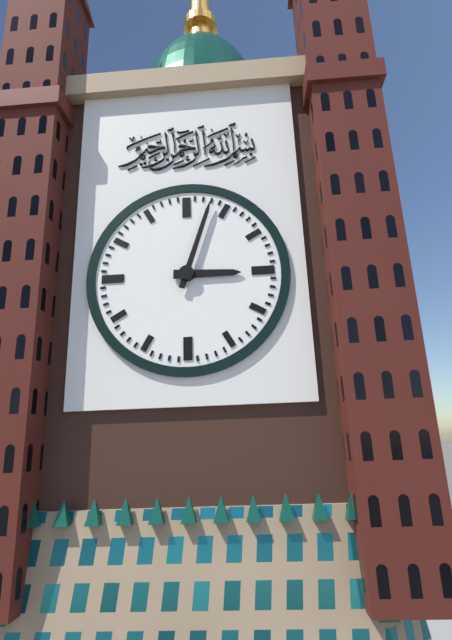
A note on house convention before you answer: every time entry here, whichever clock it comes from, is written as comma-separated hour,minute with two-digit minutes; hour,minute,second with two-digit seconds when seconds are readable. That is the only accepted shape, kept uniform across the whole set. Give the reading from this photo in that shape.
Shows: 3,03
